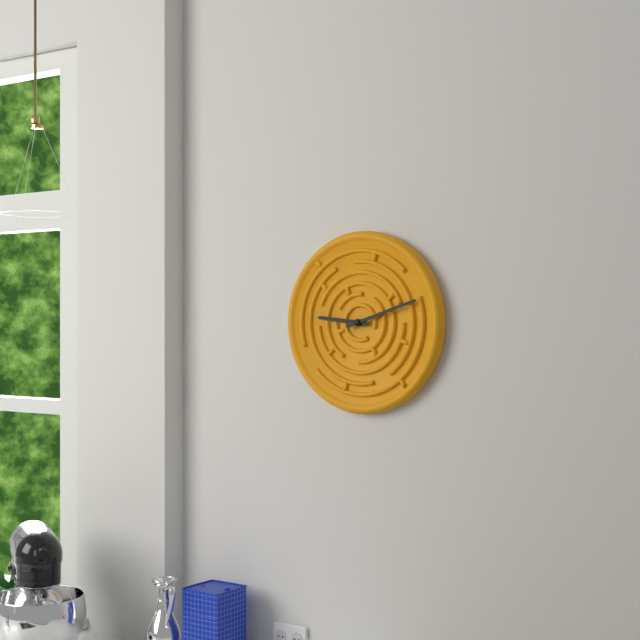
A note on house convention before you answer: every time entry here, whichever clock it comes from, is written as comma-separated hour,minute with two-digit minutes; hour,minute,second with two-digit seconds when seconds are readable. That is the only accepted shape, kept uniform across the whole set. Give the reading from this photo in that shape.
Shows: 9,12
